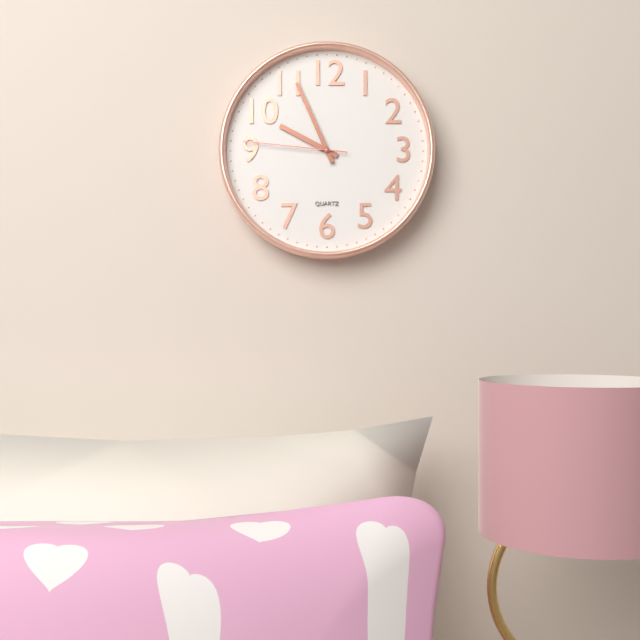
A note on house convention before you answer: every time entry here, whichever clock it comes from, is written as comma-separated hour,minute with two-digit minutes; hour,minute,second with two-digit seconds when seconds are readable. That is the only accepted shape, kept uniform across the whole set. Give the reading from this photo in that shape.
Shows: 9,56,46
